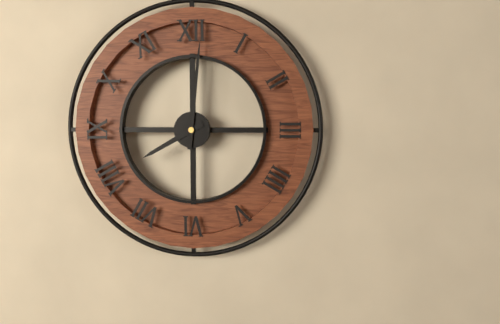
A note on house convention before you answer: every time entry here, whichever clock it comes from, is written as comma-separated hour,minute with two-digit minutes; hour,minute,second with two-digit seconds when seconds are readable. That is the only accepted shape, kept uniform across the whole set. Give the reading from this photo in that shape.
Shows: 8,01
